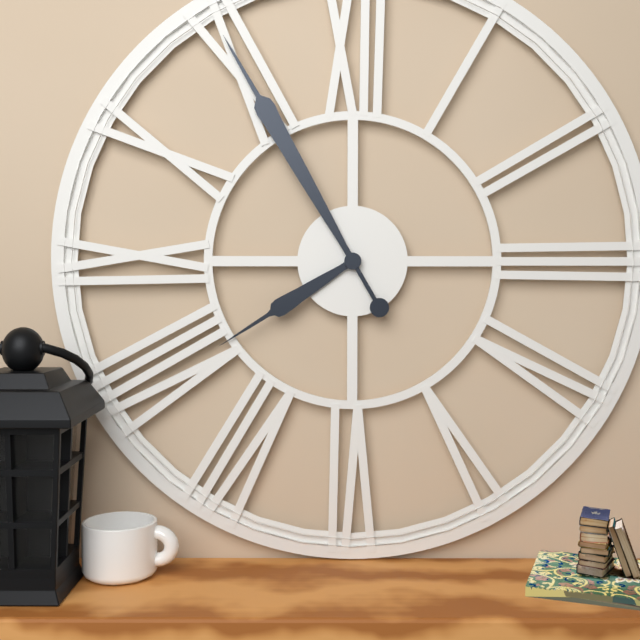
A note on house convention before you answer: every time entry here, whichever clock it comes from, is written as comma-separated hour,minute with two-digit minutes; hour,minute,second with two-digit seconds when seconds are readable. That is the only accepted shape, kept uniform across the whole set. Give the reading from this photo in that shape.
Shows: 7,55
